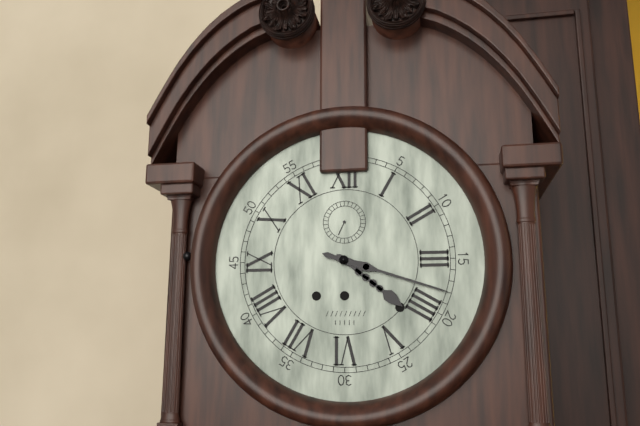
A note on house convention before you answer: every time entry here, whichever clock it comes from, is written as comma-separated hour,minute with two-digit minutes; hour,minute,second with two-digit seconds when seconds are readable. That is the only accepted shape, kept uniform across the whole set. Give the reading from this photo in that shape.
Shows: 4,18
